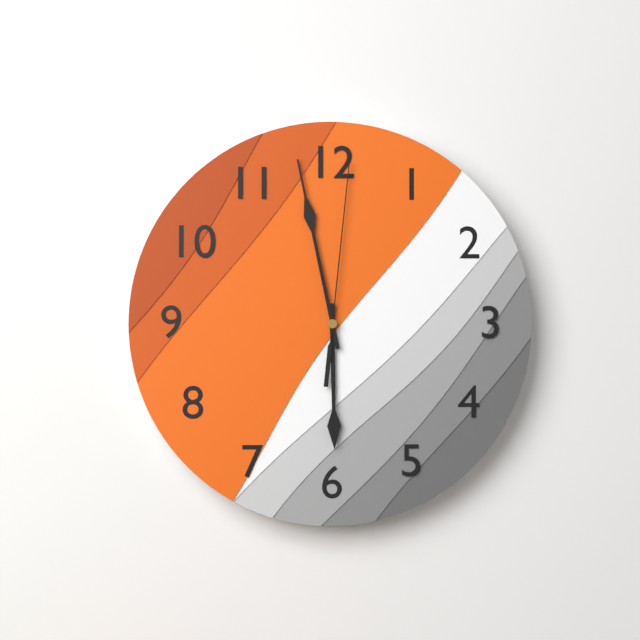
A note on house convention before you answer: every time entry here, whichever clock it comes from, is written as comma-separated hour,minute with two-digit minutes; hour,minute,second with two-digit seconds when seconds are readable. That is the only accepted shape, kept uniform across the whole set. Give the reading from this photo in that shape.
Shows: 5,58,01
